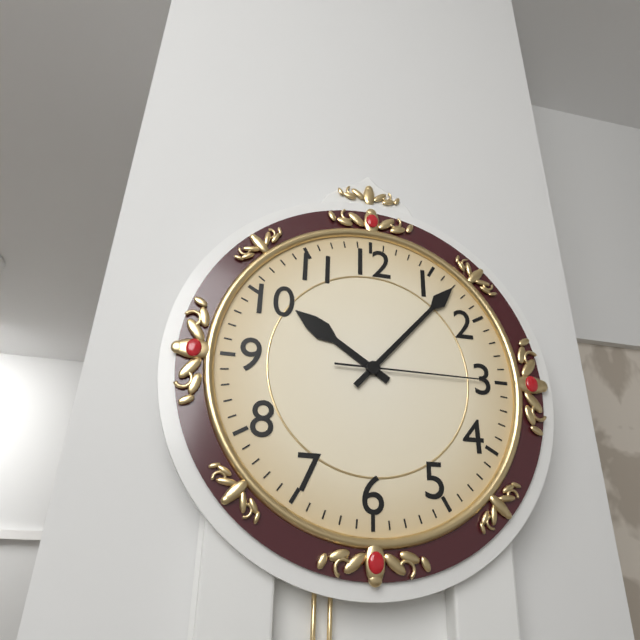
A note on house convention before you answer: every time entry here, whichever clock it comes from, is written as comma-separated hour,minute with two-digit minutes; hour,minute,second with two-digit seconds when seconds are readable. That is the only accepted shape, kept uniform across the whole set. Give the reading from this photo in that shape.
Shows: 10,07,15
